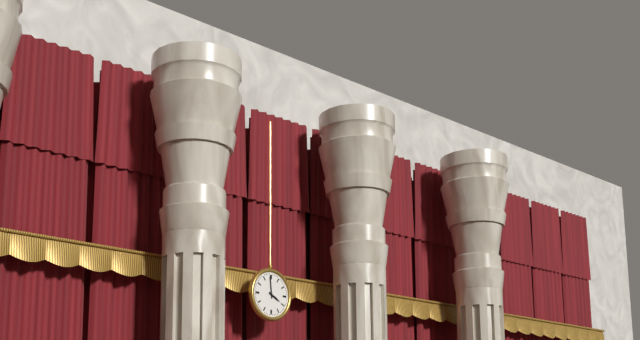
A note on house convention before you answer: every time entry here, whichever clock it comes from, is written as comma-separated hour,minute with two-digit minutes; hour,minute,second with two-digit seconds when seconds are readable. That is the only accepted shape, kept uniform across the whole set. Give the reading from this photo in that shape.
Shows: 3,59
